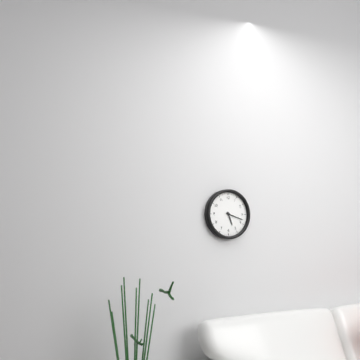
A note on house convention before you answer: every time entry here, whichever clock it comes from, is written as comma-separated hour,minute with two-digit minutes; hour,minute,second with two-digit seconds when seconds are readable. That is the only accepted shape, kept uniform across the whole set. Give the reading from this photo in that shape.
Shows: 5,18
